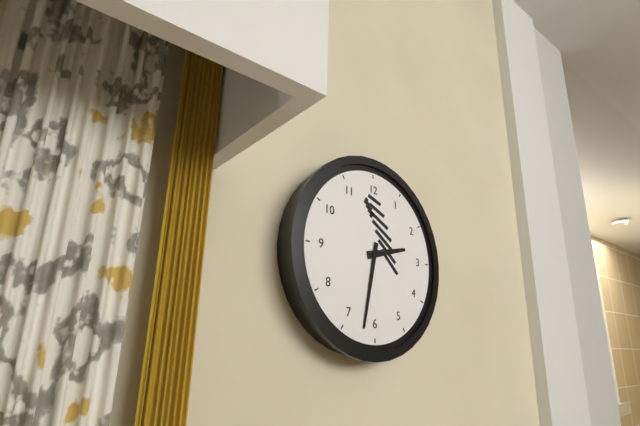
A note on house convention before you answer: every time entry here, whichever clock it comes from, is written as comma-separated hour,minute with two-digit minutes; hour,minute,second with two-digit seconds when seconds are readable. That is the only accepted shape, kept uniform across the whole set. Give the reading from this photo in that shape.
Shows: 2,32
